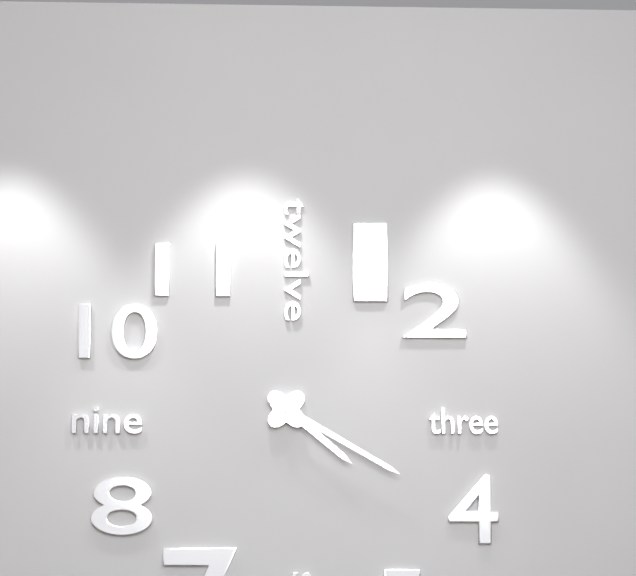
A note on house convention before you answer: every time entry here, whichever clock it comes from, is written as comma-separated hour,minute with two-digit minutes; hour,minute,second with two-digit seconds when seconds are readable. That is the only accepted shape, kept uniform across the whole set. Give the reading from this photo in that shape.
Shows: 4,20
